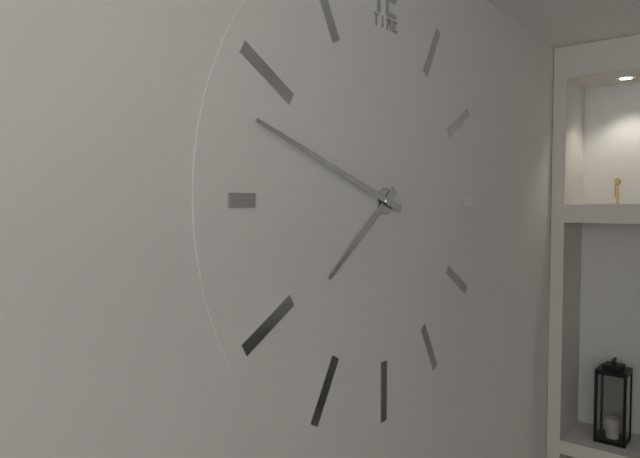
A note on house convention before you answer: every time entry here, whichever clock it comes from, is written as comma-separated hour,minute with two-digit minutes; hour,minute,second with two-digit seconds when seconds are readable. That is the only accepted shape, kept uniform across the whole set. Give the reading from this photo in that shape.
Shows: 7,48
